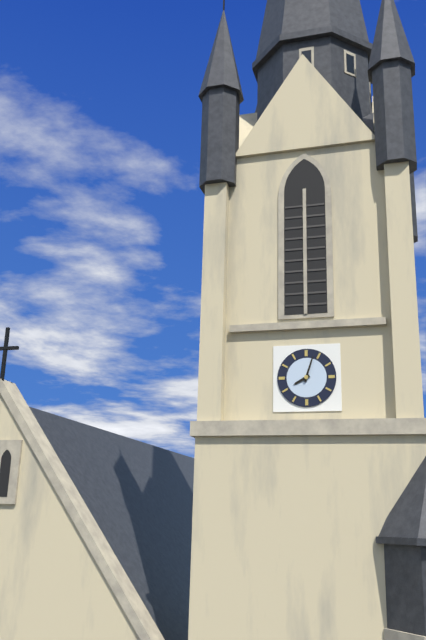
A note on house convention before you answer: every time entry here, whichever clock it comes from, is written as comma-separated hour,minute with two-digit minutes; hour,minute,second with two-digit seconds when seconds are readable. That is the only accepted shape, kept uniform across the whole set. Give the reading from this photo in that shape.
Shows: 8,03
